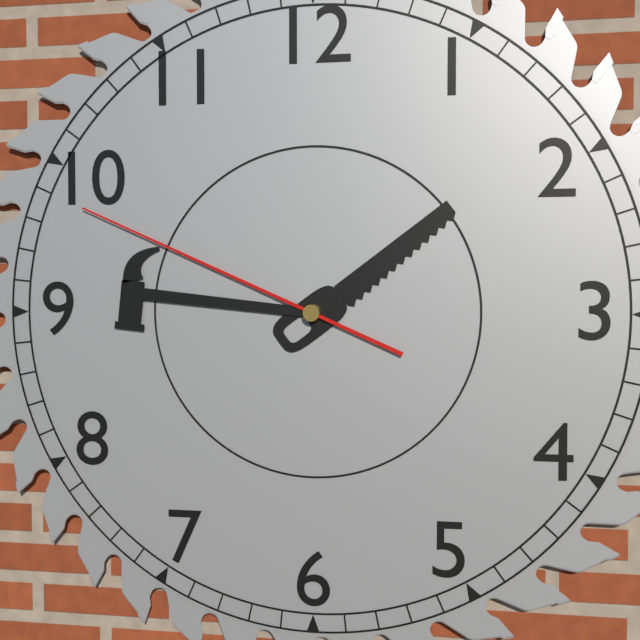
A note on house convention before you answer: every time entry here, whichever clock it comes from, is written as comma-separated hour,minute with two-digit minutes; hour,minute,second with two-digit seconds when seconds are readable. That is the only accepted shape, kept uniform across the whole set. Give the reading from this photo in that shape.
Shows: 1,46,49
